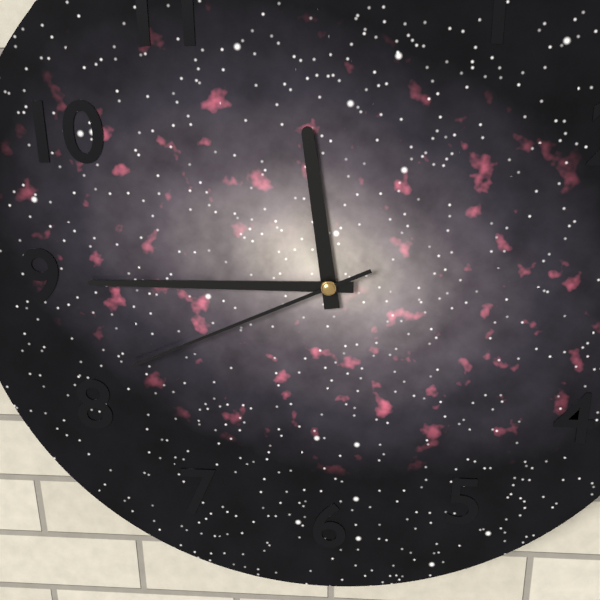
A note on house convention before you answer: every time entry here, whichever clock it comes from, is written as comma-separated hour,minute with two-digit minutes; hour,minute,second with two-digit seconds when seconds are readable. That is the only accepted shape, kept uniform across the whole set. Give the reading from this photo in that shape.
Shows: 11,45,41
